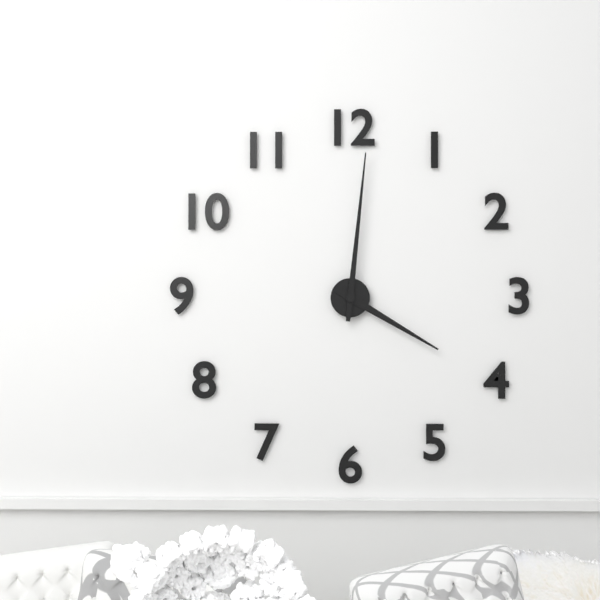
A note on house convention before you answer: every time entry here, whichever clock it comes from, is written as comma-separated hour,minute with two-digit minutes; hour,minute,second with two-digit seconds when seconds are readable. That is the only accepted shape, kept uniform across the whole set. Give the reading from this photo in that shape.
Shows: 4,01
